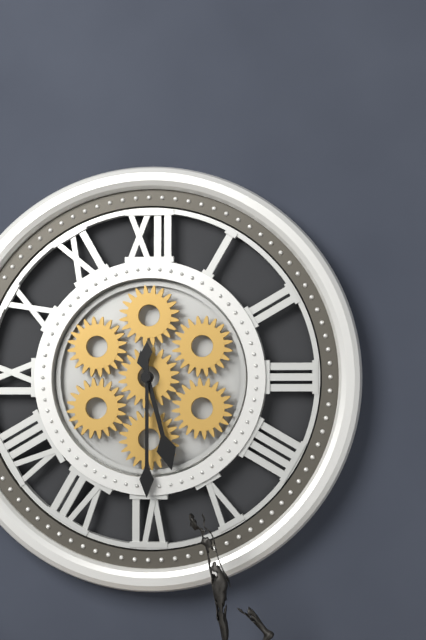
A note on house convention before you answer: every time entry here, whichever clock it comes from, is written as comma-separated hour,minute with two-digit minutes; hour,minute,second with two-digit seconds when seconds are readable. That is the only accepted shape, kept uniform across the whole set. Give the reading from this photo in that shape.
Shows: 5,30
